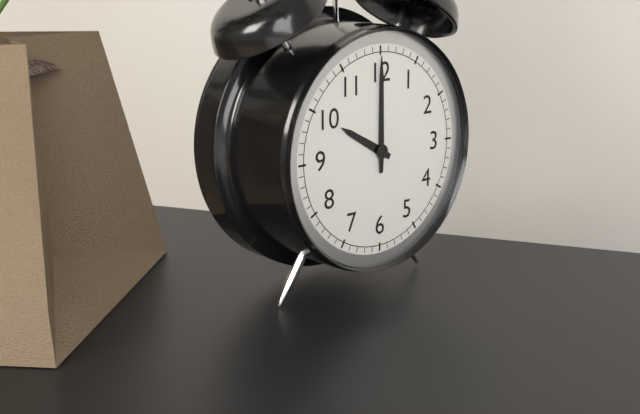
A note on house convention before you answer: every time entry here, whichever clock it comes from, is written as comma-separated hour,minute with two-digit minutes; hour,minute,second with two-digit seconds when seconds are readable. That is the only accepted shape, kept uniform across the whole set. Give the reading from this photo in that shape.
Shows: 10,00
